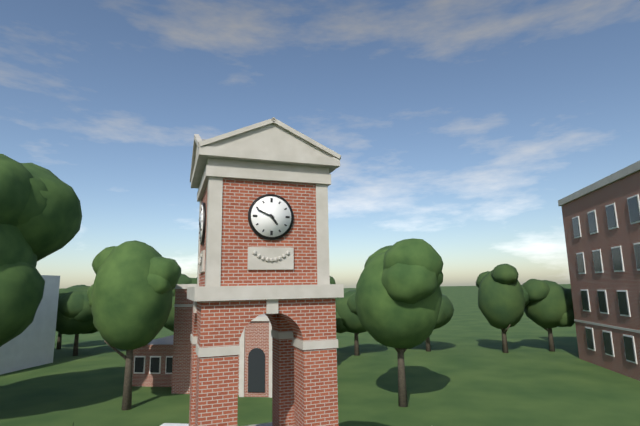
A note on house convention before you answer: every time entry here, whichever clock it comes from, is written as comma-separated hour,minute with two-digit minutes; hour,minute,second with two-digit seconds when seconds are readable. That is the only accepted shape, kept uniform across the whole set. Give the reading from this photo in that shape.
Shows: 4,49
